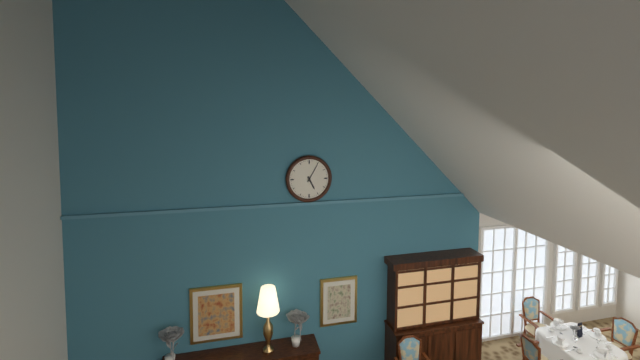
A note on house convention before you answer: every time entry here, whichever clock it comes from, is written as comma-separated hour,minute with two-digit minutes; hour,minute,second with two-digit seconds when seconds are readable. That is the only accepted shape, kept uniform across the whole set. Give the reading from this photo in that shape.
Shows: 5,05
